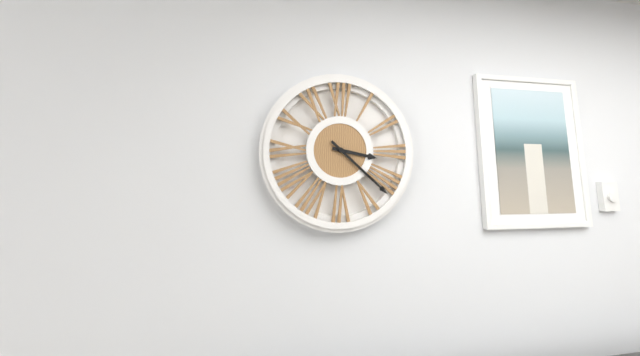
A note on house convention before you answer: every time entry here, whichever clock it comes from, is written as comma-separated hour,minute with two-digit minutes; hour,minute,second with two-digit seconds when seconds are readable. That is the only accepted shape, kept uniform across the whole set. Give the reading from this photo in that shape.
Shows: 3,22
